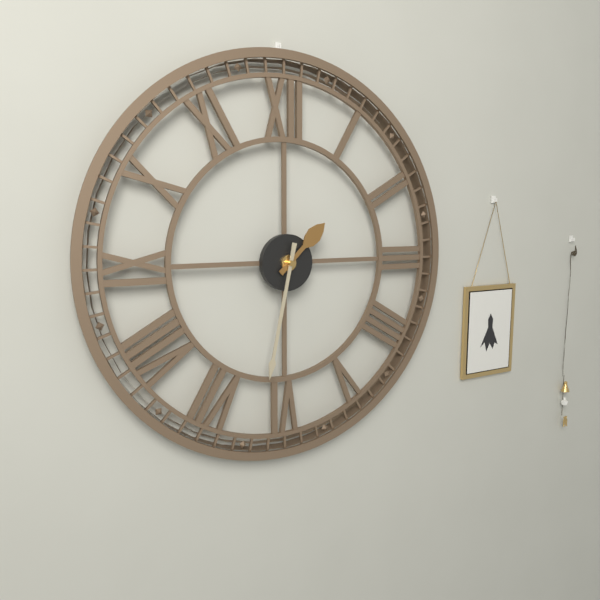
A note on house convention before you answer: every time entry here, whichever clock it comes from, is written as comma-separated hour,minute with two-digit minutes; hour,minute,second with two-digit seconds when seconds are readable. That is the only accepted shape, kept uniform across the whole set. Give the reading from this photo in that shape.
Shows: 1,32
